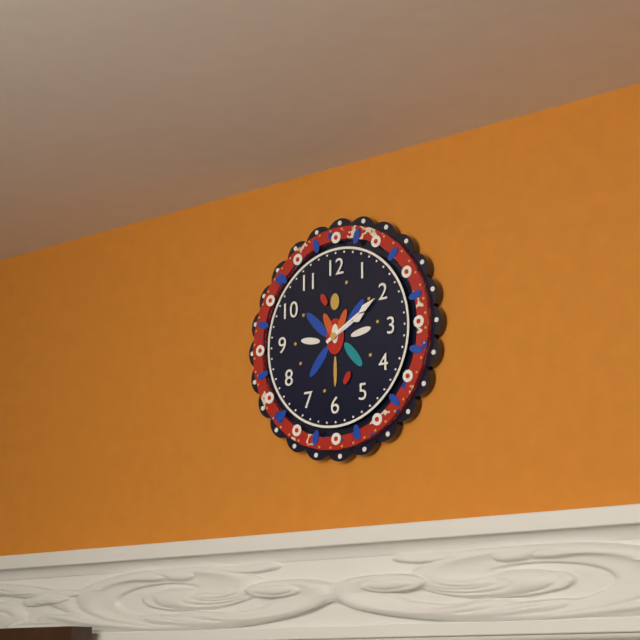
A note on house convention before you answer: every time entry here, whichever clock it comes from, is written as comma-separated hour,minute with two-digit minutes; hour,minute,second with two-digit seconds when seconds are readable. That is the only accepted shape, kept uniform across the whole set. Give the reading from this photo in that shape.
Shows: 2,10
